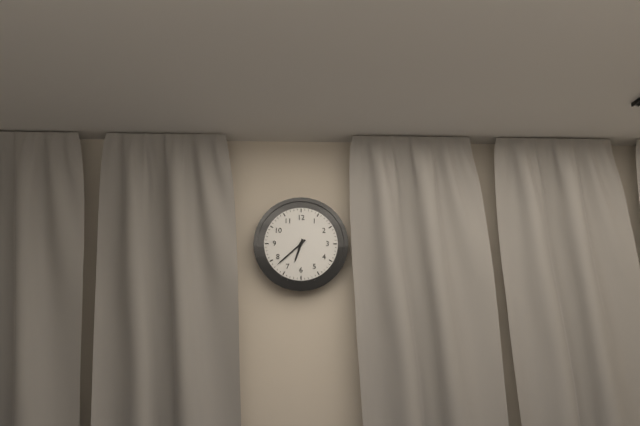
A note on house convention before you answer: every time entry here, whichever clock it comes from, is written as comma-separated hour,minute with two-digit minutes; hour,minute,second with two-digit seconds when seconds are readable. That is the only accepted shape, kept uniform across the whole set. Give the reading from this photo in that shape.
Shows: 6,38
